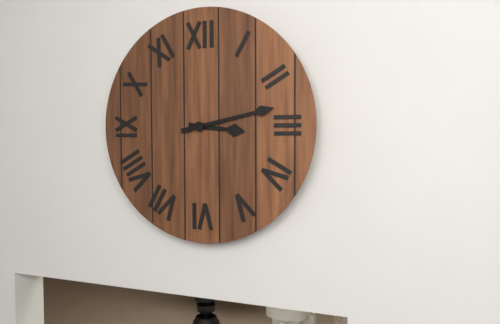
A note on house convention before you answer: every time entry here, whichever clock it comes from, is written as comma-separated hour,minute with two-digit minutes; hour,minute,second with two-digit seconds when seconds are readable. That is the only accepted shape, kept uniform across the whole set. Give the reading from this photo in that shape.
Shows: 3,13
